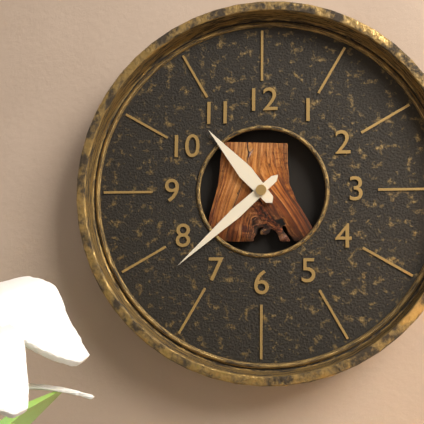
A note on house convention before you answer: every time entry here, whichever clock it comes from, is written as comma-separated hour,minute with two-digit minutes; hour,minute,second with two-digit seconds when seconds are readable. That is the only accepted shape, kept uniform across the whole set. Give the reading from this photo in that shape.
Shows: 10,38
